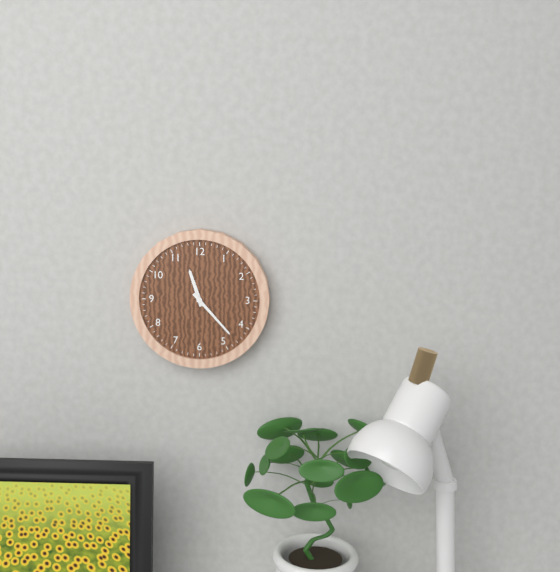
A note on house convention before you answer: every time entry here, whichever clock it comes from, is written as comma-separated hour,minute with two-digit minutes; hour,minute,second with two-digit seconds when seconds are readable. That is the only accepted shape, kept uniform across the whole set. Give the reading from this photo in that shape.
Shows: 11,23
